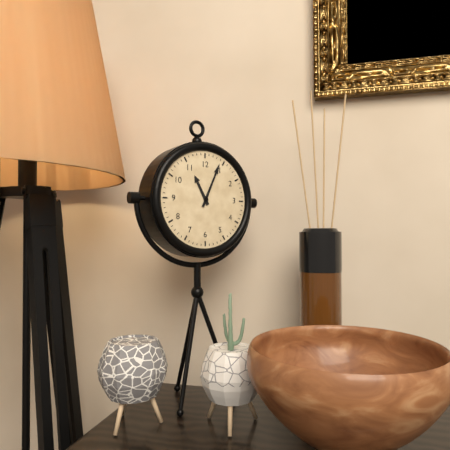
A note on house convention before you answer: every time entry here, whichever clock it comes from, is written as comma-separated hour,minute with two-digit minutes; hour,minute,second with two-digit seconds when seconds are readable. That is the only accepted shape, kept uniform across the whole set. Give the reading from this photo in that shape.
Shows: 11,04
